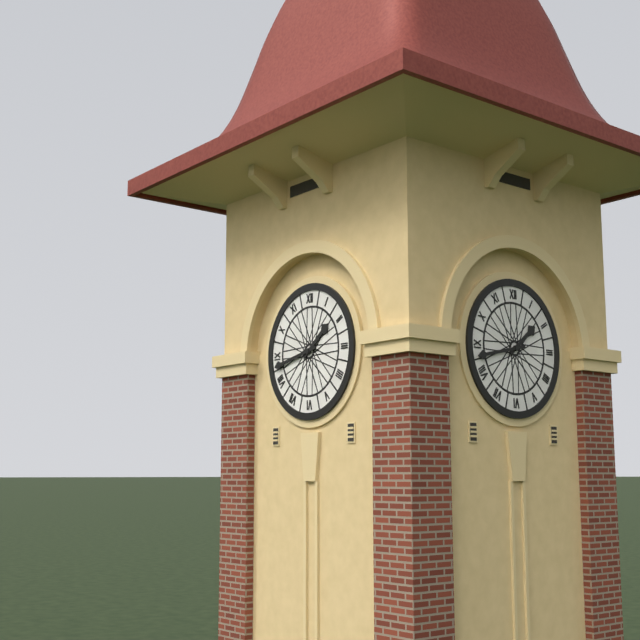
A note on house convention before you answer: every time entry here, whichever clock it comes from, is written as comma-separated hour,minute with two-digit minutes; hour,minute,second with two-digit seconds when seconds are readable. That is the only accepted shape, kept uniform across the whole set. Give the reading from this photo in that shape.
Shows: 1,43
